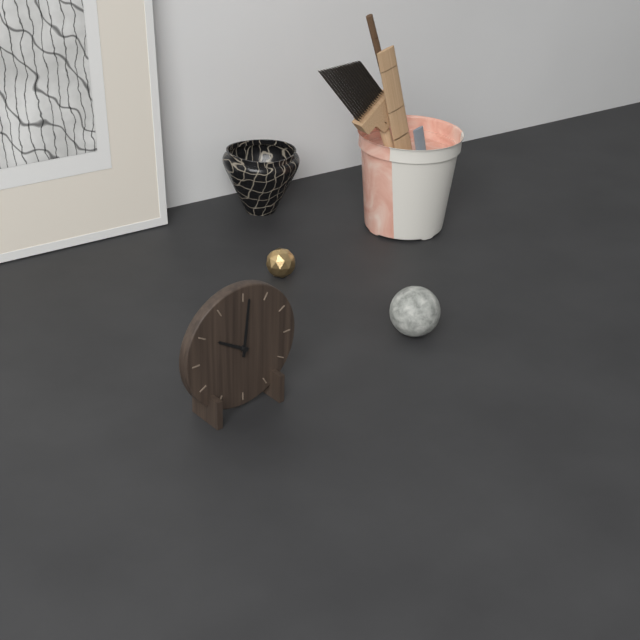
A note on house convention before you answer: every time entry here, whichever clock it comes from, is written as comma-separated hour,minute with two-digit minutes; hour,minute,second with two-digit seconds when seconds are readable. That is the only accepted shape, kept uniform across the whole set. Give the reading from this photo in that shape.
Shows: 10,01
